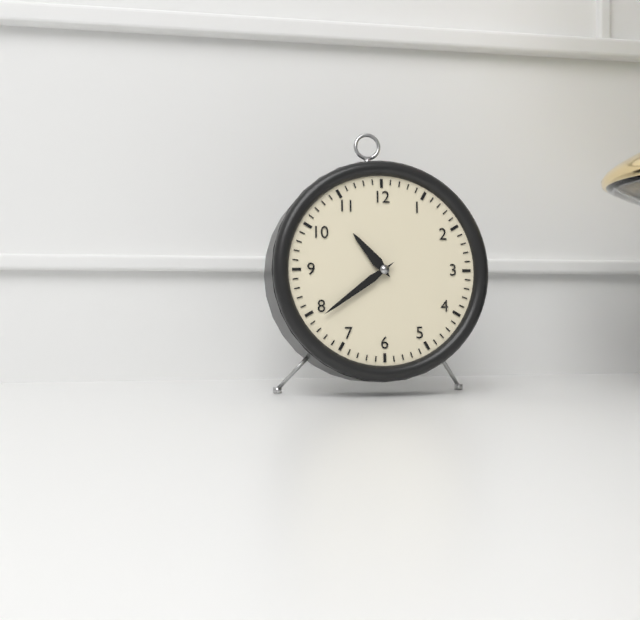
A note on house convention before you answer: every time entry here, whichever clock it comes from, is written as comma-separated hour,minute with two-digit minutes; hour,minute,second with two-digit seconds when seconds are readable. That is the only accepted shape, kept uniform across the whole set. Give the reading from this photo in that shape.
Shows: 10,39
